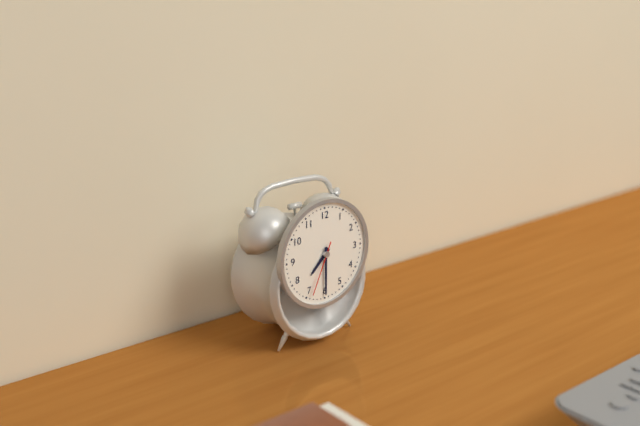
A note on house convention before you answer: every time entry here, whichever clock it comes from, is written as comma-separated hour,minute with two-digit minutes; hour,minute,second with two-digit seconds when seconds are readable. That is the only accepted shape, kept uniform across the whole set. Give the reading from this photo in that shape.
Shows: 7,30,34
